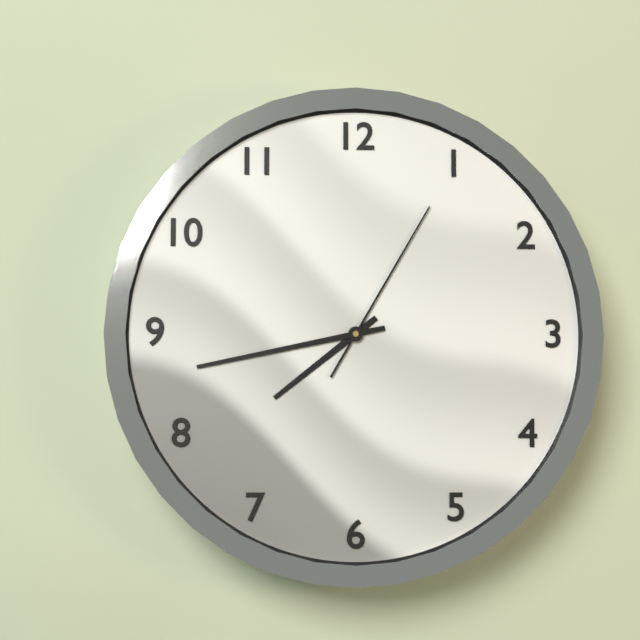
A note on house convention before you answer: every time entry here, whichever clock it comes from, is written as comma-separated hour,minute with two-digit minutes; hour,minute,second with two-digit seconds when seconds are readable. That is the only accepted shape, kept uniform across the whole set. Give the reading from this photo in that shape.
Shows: 7,43,05
